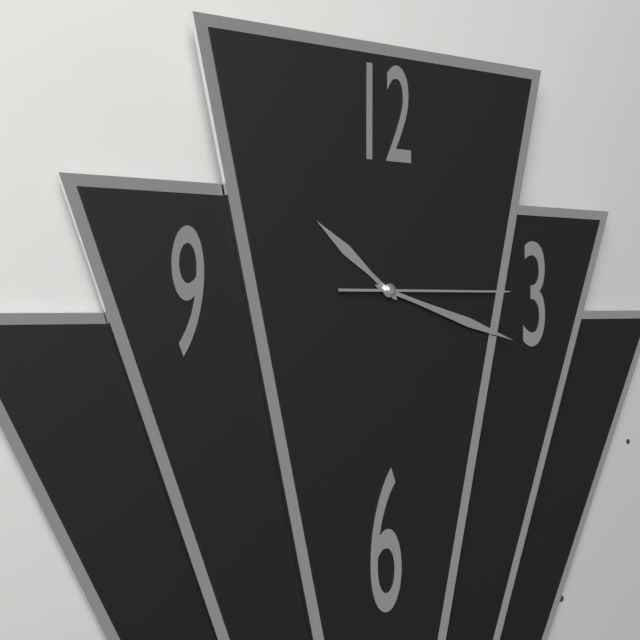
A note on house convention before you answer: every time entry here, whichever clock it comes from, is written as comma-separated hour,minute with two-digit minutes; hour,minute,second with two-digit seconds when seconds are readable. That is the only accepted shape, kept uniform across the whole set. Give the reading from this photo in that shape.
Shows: 10,18,15
